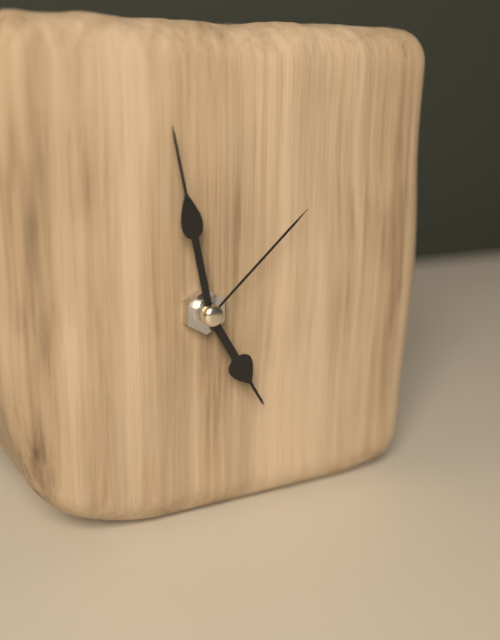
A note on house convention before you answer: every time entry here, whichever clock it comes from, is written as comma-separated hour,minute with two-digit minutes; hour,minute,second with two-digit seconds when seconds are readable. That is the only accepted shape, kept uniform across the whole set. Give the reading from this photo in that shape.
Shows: 4,58,08
